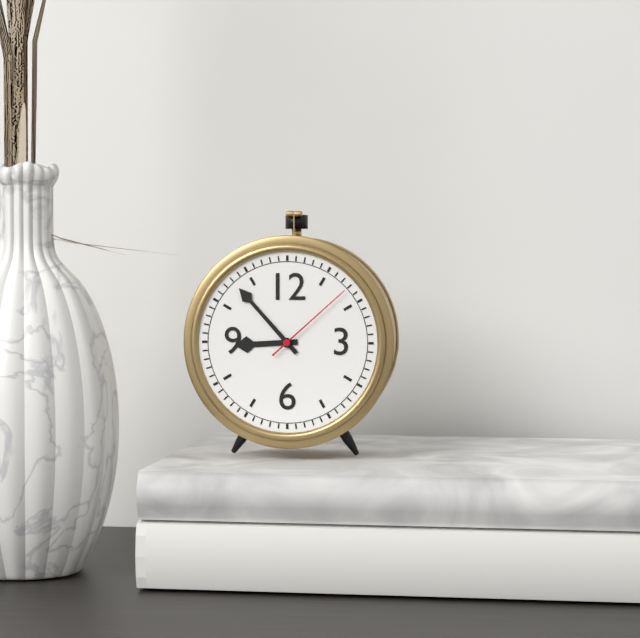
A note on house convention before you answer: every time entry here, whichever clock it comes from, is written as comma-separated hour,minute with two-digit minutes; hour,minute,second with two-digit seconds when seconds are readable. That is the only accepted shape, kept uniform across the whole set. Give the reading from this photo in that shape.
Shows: 8,53,08
